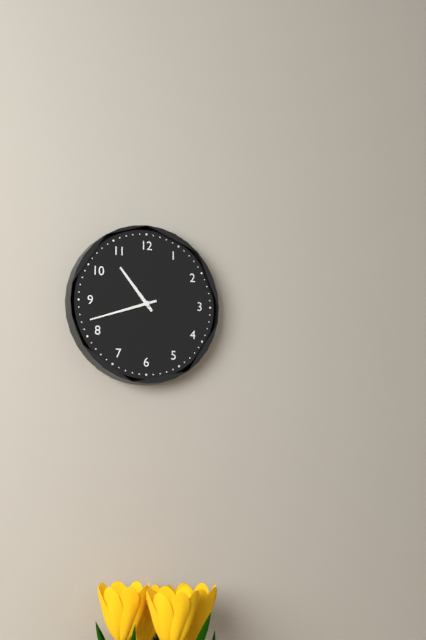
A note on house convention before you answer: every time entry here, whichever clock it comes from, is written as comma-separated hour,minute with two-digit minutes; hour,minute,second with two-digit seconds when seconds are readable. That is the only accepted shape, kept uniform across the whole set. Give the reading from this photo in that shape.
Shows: 10,42
